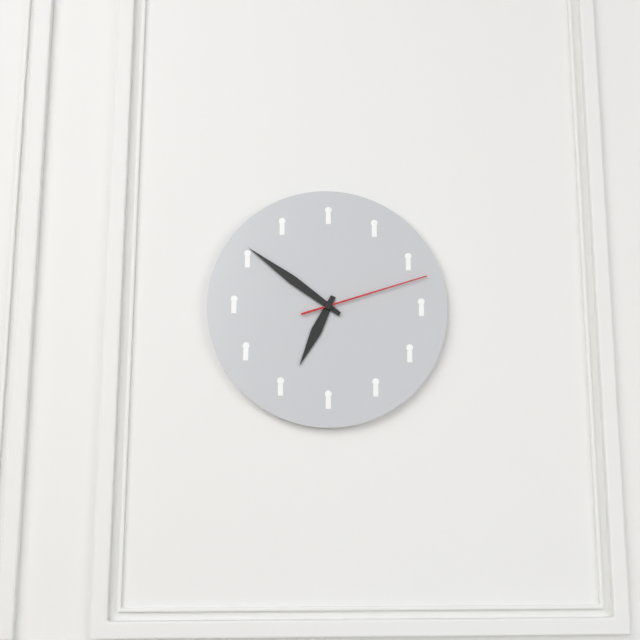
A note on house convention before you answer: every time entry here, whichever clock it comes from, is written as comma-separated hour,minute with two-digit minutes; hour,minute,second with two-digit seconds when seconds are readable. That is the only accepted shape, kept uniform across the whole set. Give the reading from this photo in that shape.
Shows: 6,51,12
